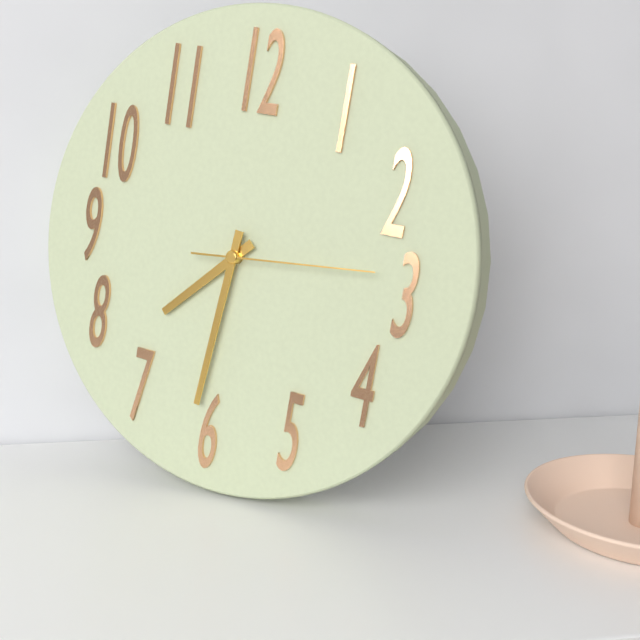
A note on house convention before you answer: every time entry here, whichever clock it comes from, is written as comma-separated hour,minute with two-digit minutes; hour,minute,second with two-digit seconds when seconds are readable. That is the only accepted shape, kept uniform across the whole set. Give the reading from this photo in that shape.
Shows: 7,31,14
